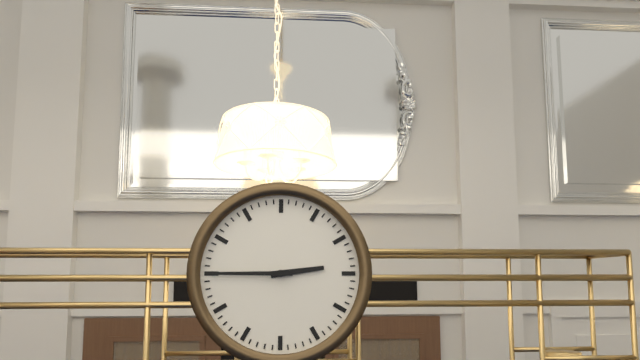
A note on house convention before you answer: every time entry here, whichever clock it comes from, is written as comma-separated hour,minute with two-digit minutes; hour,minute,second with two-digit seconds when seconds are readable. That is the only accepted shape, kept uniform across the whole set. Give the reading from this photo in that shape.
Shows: 2,45
